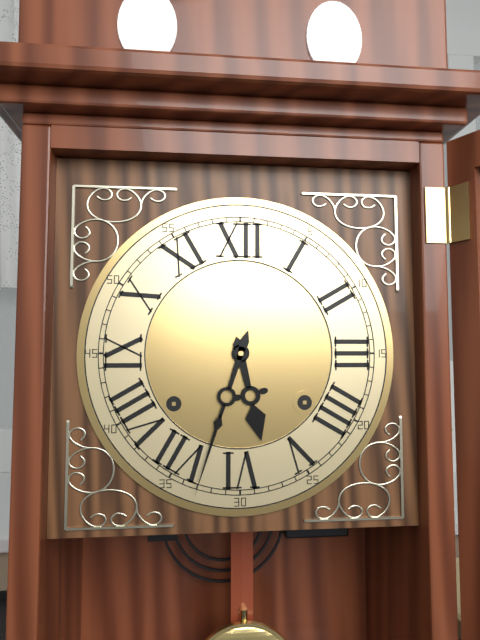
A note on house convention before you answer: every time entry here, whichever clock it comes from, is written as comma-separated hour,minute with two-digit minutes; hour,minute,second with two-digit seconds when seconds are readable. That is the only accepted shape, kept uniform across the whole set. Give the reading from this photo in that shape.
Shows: 5,33
